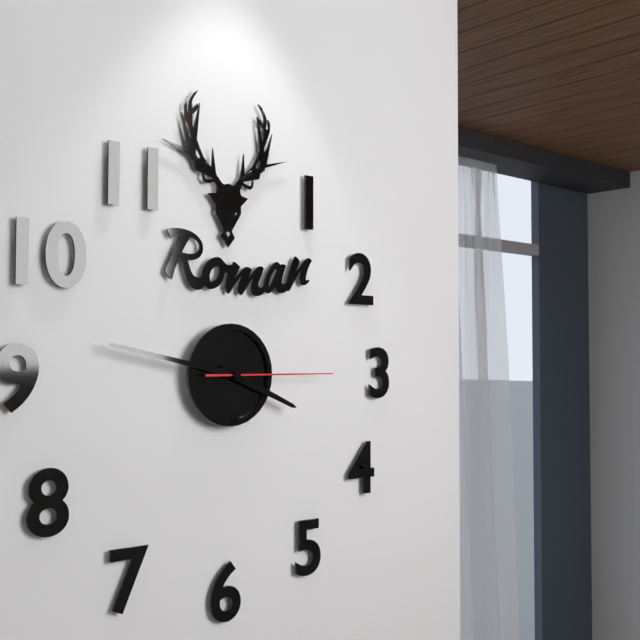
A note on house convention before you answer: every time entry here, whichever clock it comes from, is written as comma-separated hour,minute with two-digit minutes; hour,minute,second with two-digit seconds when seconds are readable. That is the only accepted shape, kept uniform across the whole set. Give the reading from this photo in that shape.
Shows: 3,47,15
